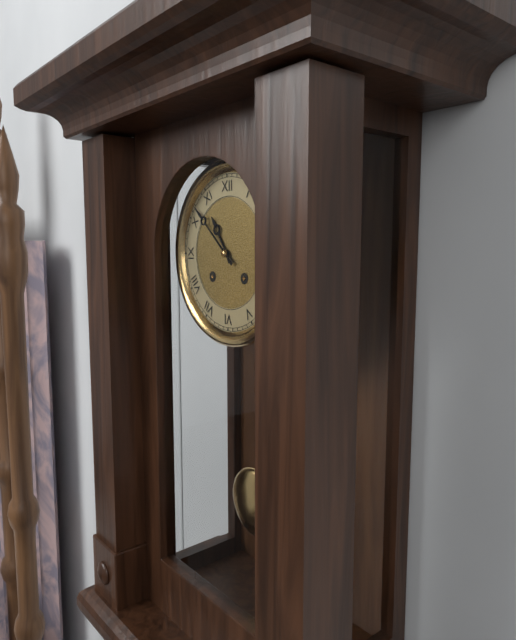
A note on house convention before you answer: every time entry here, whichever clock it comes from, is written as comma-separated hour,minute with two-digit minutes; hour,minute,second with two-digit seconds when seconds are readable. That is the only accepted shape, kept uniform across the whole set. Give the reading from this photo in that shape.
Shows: 10,52
